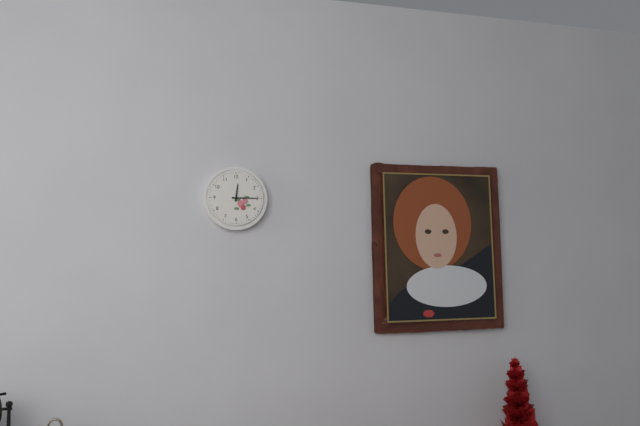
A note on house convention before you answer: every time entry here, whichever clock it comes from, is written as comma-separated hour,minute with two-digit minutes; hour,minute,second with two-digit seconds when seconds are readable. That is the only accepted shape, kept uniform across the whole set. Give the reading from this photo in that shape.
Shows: 12,15
